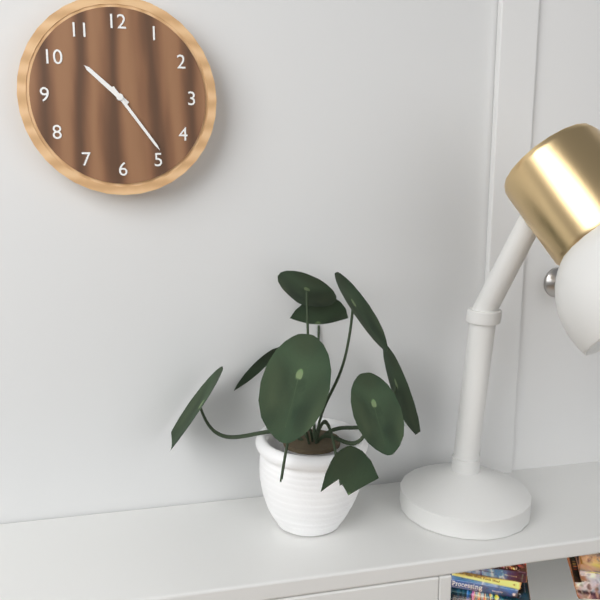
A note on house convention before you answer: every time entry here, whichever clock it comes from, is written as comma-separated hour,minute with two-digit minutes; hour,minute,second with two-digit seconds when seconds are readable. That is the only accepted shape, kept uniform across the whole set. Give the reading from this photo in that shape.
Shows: 10,24
